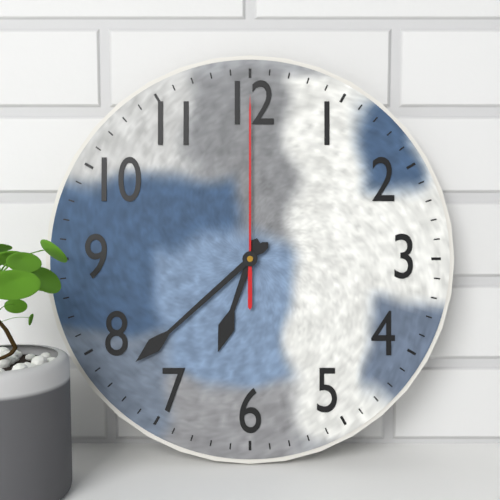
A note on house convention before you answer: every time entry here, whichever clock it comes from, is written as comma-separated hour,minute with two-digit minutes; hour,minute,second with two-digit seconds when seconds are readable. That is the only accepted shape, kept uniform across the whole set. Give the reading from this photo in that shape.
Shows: 6,38,00
